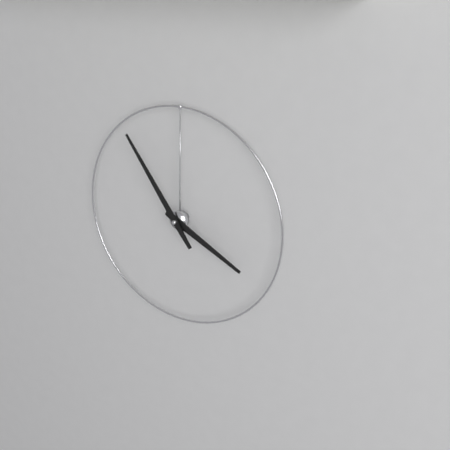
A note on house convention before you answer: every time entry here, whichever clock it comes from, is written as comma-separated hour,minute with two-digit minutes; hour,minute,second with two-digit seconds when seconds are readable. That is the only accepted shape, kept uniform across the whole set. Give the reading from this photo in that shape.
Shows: 3,54
